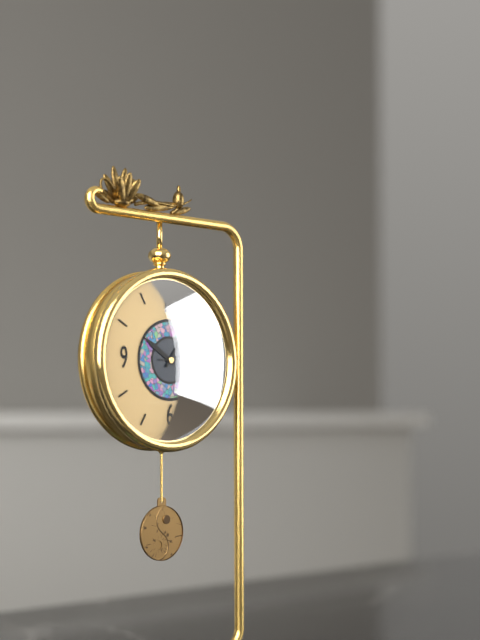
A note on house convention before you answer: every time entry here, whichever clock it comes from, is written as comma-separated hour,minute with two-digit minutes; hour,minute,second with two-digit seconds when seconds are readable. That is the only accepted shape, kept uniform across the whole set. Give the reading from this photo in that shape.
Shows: 10,06,15
